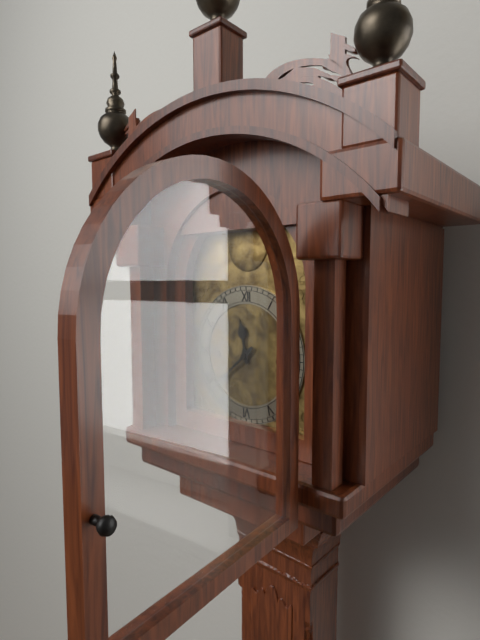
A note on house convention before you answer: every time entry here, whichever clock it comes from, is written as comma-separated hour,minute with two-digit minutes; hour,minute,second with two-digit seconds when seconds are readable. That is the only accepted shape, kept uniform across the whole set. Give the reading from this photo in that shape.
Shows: 11,38
